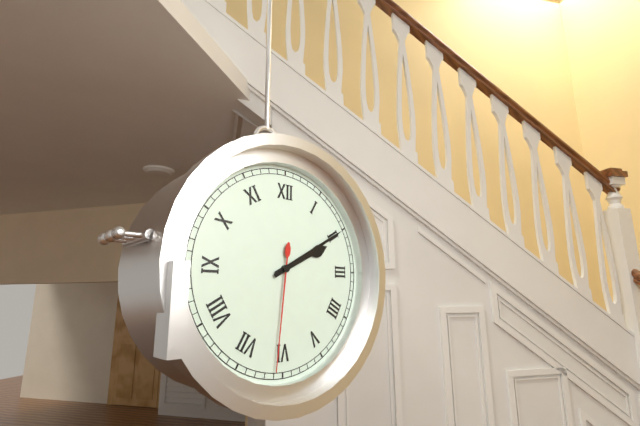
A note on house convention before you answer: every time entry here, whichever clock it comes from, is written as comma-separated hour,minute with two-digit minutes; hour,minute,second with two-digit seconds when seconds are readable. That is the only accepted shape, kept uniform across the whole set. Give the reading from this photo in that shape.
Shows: 2,10,31
